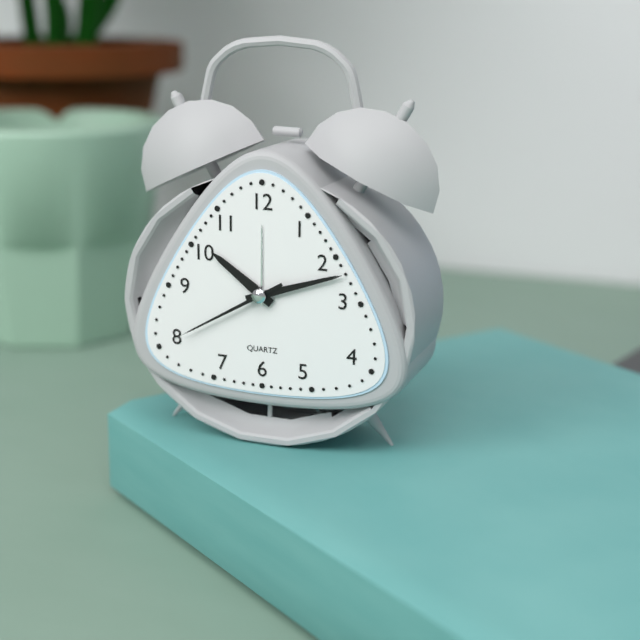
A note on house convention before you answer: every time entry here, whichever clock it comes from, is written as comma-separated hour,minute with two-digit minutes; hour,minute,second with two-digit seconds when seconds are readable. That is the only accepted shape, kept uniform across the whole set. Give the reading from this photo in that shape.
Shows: 10,12,40
